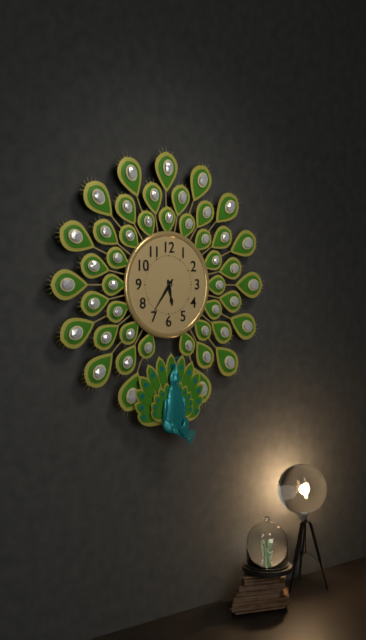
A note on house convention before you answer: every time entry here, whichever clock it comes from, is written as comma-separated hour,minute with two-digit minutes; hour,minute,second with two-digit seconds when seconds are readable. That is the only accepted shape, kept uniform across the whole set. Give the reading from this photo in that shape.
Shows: 5,36
